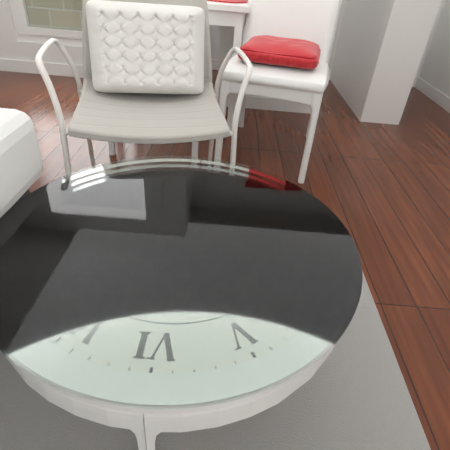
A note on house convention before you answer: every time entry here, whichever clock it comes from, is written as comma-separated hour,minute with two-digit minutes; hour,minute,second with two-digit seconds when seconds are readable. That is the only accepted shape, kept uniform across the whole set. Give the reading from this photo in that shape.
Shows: 3,58
